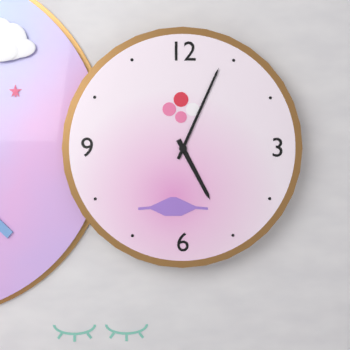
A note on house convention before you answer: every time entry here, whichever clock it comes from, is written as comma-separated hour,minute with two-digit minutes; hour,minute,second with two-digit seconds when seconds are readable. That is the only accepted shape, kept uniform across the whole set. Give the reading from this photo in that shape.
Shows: 5,04
